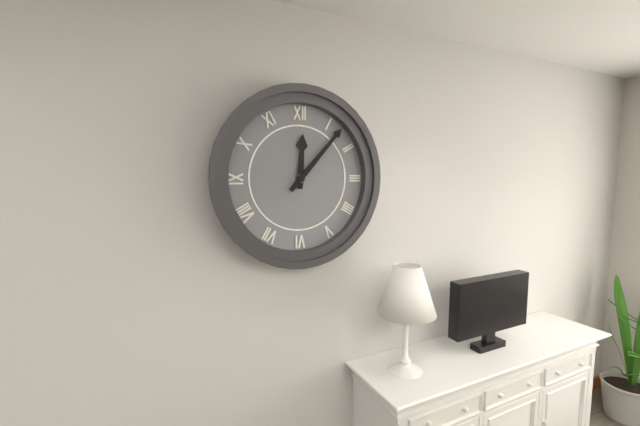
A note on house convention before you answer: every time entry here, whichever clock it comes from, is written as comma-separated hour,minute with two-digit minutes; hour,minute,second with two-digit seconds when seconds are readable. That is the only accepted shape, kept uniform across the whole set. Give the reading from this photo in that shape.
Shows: 12,07
